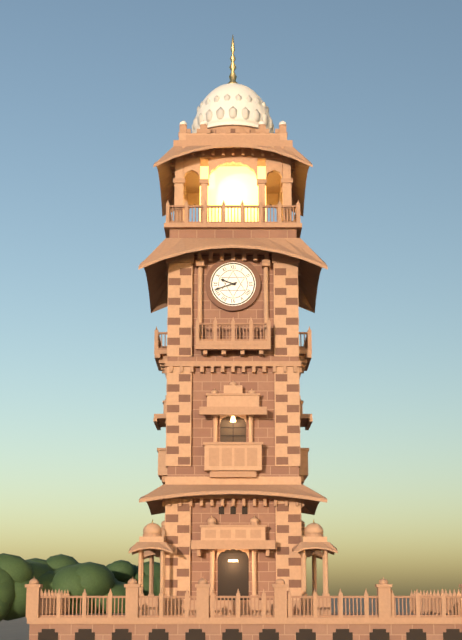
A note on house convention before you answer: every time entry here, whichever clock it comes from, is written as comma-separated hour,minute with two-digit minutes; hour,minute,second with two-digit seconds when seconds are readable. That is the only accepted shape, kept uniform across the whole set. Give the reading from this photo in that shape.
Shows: 9,42
